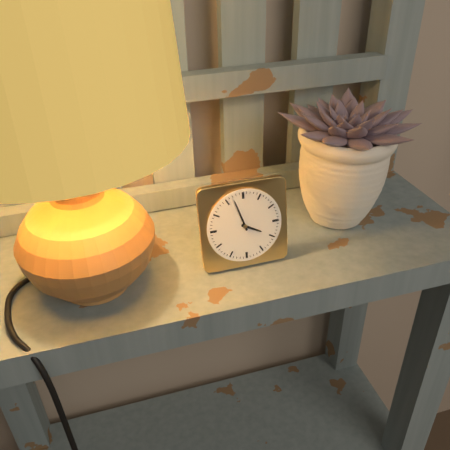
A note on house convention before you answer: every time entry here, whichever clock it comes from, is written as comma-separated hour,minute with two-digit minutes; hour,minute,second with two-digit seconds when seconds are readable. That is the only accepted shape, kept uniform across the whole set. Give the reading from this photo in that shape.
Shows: 3,57
